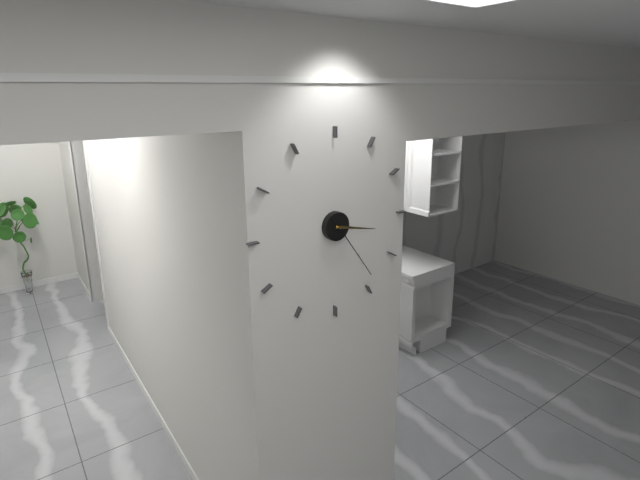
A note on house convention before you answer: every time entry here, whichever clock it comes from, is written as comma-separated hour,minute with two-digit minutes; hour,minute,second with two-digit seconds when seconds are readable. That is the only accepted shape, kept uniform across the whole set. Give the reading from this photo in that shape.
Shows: 3,24
